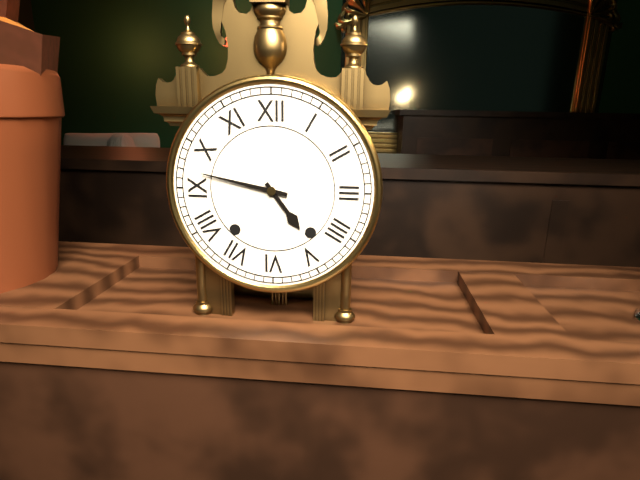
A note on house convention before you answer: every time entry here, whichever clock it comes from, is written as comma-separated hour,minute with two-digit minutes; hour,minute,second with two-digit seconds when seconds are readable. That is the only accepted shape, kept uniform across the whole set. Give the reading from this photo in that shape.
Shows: 4,47
